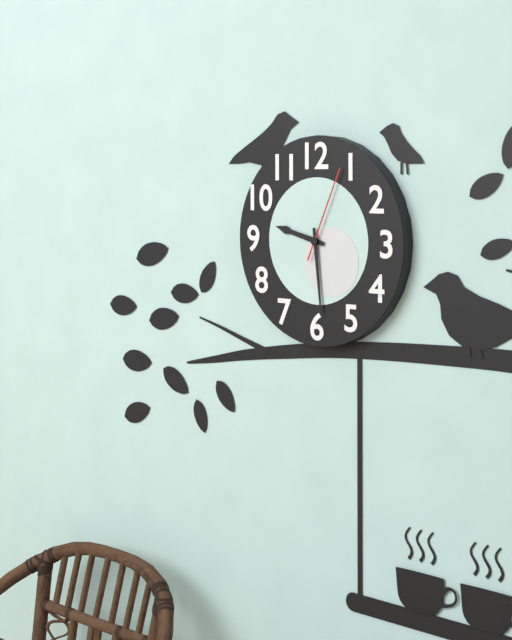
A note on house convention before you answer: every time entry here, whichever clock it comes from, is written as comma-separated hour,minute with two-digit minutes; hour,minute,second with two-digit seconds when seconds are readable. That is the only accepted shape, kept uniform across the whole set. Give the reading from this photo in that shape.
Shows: 9,29,04
